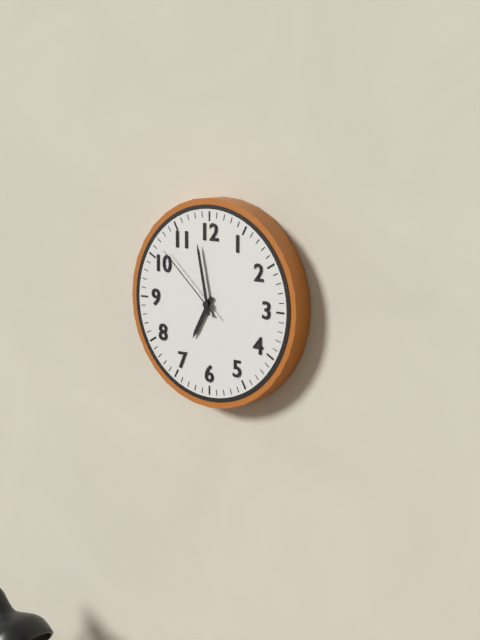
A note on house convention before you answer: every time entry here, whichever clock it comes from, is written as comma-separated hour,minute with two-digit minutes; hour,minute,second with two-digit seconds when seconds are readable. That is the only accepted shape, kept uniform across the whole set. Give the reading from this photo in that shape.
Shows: 6,58,52
